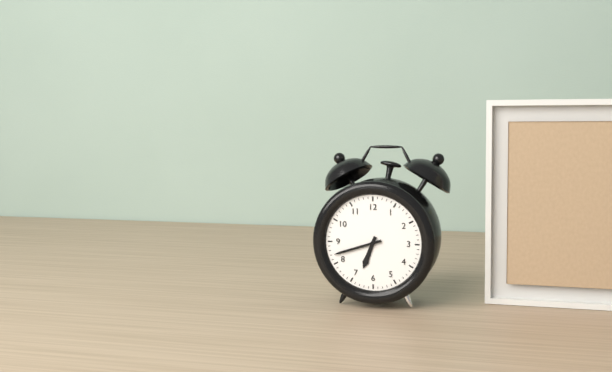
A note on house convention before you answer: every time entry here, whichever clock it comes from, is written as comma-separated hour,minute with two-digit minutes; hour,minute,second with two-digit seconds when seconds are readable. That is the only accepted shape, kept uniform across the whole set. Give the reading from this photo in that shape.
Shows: 6,42
